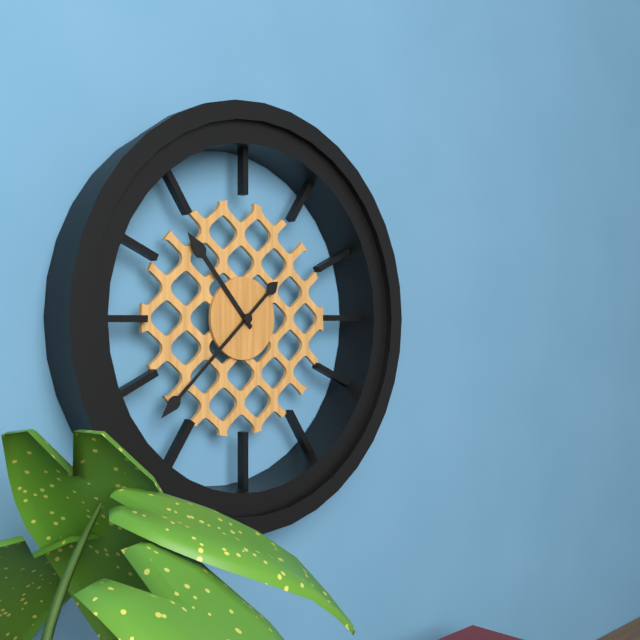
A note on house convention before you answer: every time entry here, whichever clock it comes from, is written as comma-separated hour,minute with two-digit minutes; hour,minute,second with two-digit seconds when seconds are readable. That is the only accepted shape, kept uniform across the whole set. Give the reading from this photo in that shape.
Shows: 10,38
